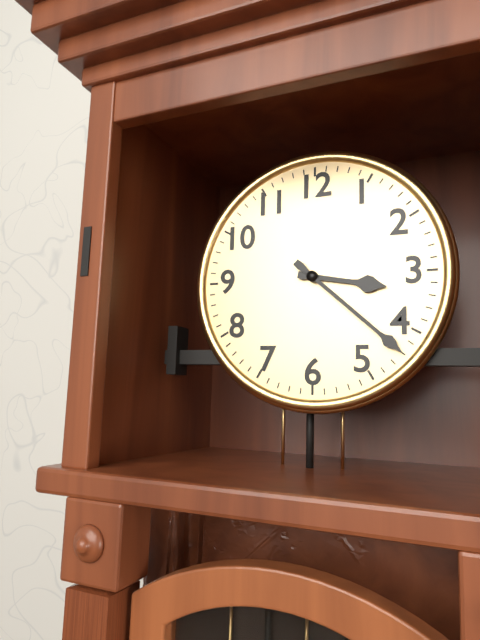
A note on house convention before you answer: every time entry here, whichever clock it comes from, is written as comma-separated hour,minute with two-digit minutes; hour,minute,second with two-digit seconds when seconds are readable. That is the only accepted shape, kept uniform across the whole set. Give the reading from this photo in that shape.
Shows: 3,22
